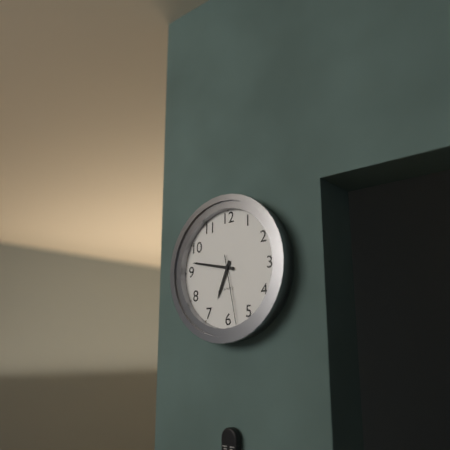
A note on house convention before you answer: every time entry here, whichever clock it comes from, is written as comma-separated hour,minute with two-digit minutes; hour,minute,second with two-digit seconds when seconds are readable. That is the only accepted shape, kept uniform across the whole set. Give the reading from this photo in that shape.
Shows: 6,47,28
